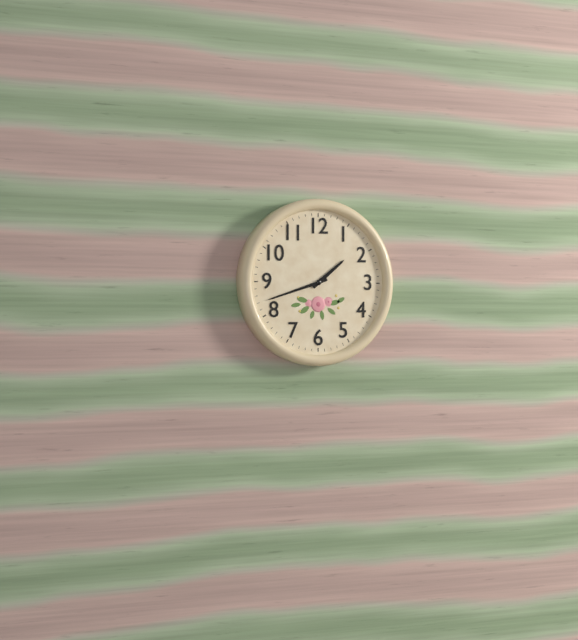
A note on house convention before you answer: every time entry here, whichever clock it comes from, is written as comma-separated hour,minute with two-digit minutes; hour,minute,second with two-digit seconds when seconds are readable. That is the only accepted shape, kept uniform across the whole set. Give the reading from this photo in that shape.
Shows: 1,42
